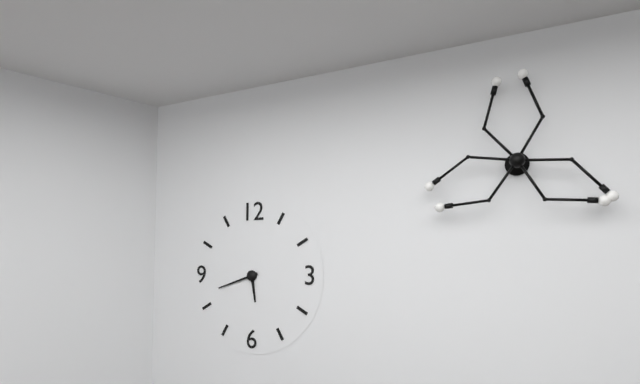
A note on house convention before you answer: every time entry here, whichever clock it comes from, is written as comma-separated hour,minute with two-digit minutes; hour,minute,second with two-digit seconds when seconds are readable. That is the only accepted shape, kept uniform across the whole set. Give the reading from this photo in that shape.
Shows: 5,42
